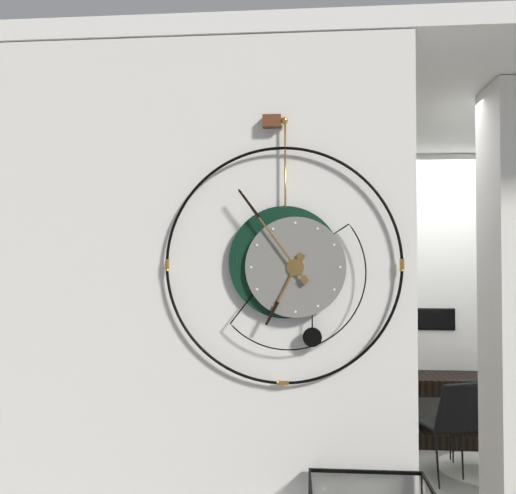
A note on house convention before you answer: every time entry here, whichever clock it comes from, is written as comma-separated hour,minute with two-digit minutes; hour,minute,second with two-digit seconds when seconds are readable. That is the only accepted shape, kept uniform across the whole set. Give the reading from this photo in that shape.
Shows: 6,54
